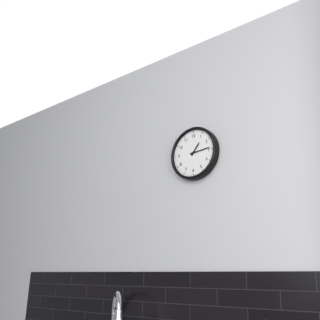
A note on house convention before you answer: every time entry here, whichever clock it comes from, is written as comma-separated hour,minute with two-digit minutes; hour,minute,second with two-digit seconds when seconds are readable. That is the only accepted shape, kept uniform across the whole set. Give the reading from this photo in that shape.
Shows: 1,14
